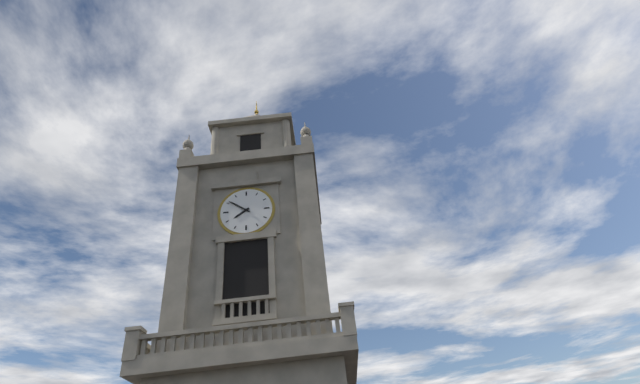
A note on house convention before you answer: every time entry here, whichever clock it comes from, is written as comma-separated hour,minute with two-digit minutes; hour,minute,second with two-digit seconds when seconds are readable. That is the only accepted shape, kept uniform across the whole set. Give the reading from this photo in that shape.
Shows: 7,51
